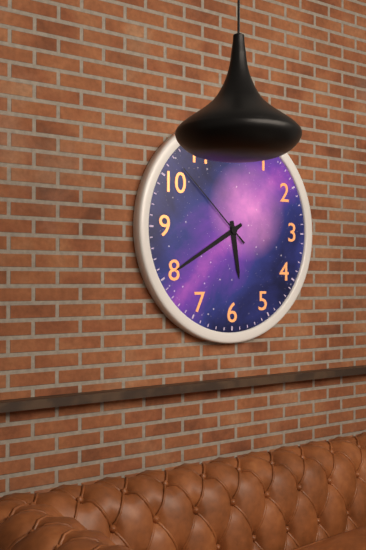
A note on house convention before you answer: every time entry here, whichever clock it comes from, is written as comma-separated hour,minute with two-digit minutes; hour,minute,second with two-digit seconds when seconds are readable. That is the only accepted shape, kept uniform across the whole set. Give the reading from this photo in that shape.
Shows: 5,40,52
